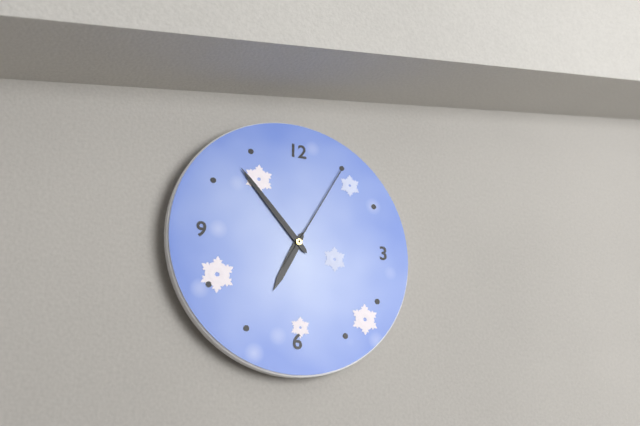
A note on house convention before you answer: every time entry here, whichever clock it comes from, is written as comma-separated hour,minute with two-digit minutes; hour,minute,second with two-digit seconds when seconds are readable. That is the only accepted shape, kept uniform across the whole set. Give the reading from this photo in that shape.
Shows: 6,53,05
